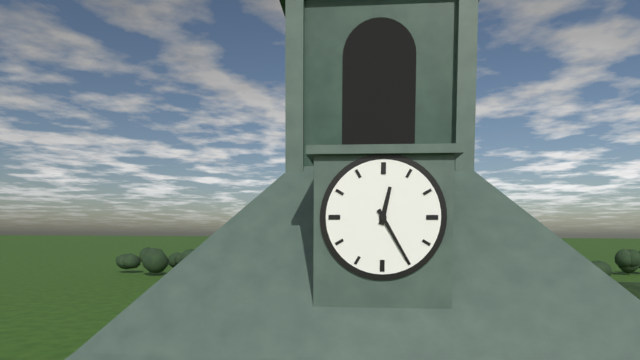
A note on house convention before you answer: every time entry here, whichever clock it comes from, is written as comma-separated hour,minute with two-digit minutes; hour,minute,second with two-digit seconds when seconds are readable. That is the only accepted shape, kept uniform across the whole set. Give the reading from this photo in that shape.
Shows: 12,25
